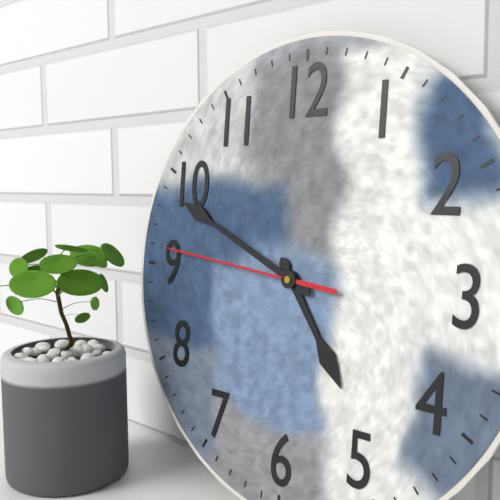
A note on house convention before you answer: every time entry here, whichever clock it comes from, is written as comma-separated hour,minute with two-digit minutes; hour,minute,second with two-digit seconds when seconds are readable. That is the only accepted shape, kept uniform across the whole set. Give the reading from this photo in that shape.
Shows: 4,49,46
